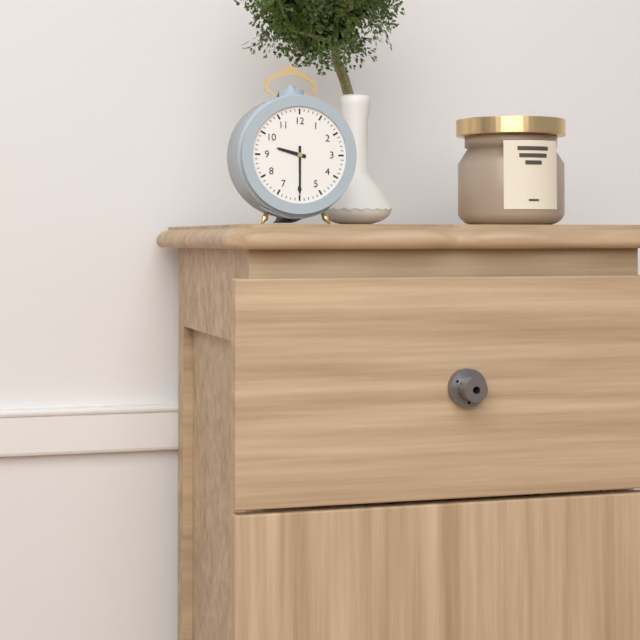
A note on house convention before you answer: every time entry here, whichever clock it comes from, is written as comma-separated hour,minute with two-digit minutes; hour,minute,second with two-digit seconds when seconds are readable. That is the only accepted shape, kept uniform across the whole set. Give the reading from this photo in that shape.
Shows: 9,30
